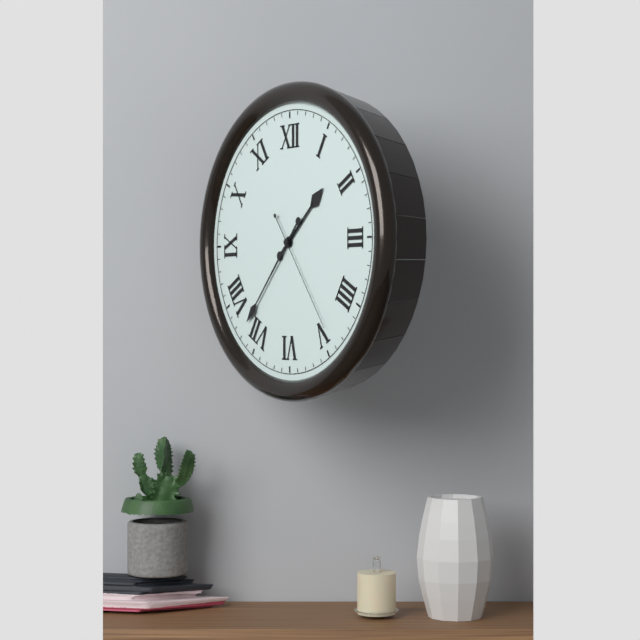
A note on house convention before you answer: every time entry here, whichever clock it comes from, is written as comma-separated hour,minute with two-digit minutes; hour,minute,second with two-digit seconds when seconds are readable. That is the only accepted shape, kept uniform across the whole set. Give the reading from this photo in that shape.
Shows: 1,37,24
